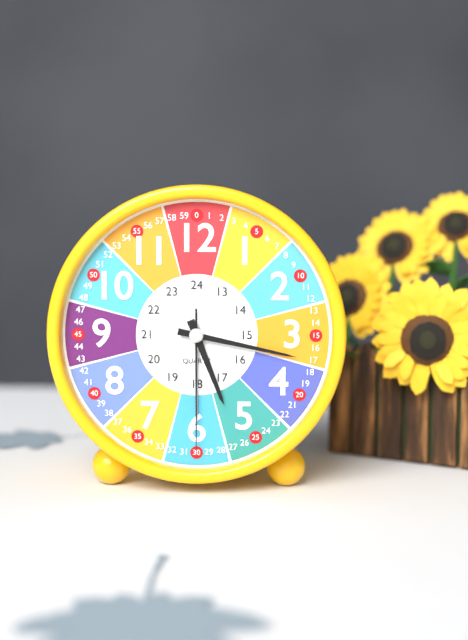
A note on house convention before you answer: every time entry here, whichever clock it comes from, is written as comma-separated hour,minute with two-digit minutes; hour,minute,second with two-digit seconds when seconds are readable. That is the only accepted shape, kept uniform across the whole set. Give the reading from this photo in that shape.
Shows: 5,17,30
